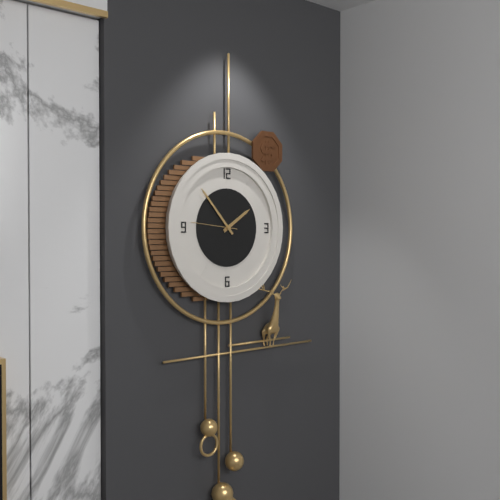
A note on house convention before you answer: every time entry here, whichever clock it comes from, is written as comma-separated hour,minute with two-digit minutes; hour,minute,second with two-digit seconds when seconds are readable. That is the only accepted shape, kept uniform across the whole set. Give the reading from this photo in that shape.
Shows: 1,53
